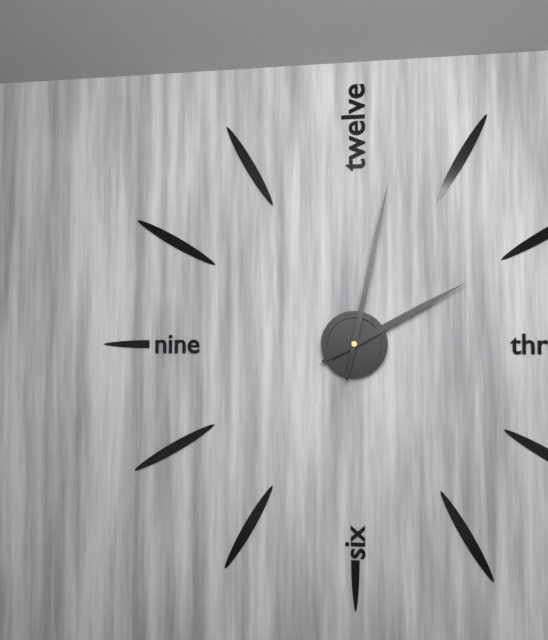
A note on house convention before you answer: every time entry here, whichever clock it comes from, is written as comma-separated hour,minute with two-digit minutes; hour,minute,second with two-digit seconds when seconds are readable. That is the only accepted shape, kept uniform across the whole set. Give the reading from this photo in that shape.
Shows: 2,02
